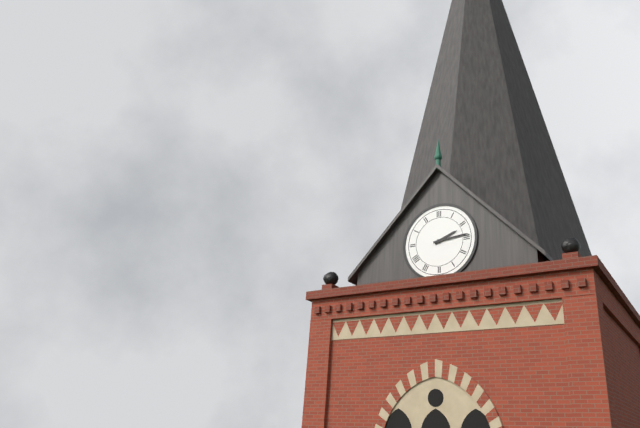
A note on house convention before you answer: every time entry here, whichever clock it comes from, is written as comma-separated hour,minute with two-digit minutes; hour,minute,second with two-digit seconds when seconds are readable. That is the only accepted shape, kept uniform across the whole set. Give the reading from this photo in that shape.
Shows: 2,14
